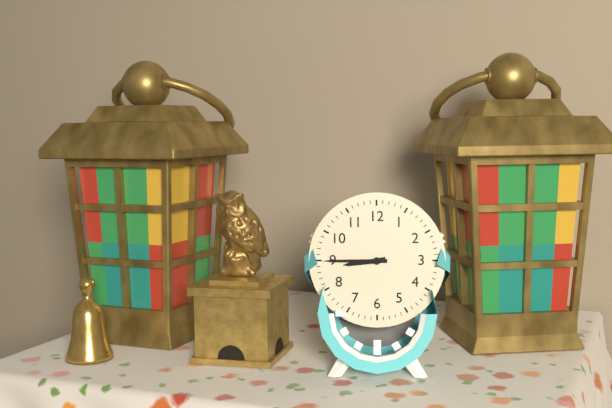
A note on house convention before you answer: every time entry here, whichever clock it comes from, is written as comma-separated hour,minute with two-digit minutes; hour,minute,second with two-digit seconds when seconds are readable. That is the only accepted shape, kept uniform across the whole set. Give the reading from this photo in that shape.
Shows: 8,45
